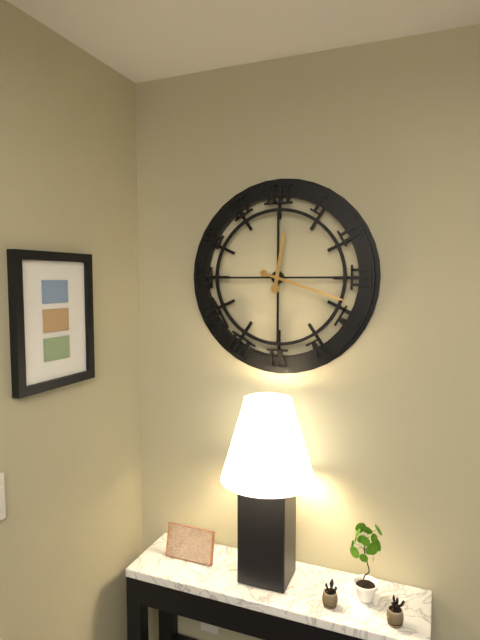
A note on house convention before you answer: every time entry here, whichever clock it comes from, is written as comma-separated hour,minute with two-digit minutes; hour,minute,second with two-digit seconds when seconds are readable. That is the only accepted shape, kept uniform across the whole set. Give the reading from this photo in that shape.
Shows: 12,18
